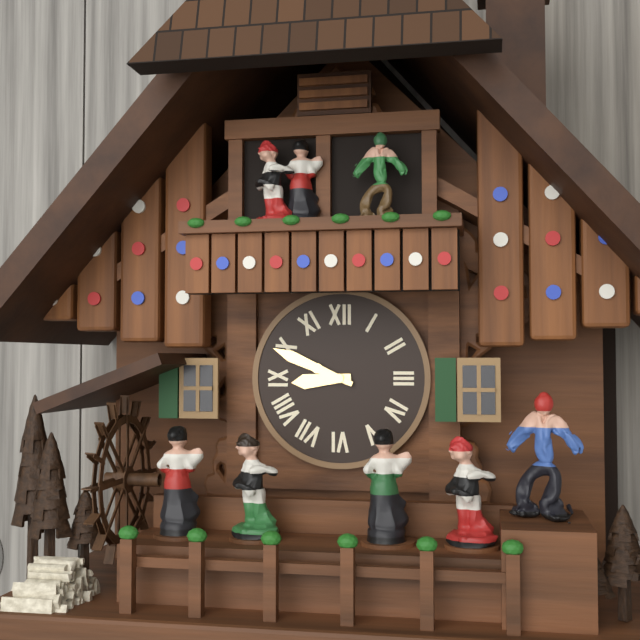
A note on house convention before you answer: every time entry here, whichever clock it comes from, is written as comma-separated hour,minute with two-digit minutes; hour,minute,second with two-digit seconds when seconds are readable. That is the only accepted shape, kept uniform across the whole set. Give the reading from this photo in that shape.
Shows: 8,49
